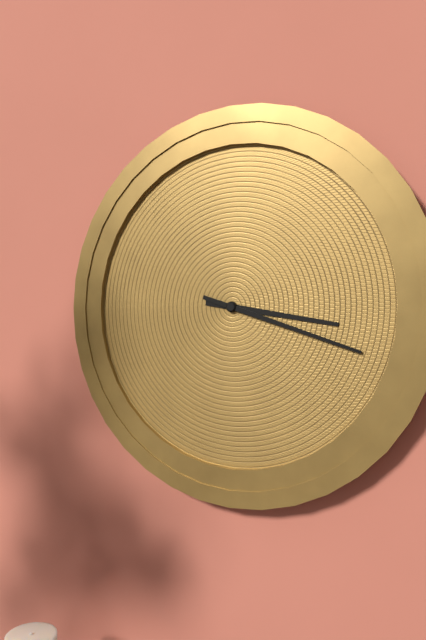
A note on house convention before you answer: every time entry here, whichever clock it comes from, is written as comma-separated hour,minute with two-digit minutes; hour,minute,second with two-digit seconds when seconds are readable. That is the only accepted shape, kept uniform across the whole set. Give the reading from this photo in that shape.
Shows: 3,18
